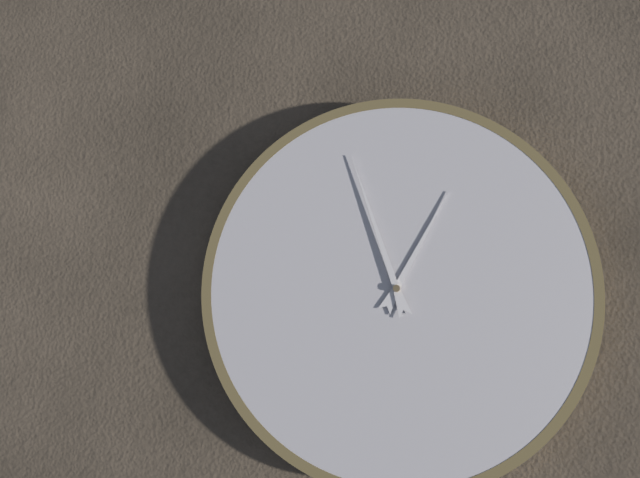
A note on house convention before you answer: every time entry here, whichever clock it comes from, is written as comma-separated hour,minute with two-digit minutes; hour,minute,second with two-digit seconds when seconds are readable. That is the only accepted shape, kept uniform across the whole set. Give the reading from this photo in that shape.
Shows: 12,57
